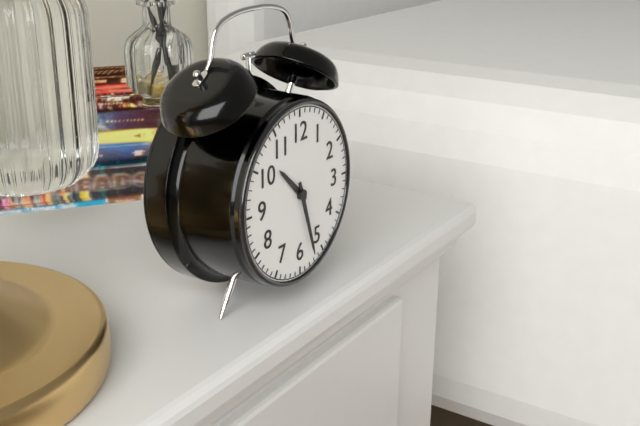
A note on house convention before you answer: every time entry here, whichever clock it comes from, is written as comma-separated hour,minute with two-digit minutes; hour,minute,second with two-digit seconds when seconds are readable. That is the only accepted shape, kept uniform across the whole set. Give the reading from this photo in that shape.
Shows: 10,27
